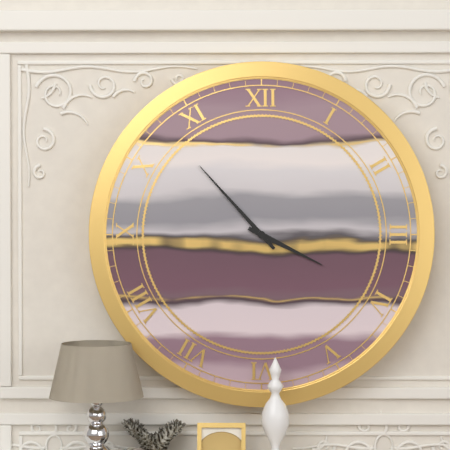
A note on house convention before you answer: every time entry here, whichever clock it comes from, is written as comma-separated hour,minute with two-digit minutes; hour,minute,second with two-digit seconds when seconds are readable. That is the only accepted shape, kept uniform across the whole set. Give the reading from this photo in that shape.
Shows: 3,53
